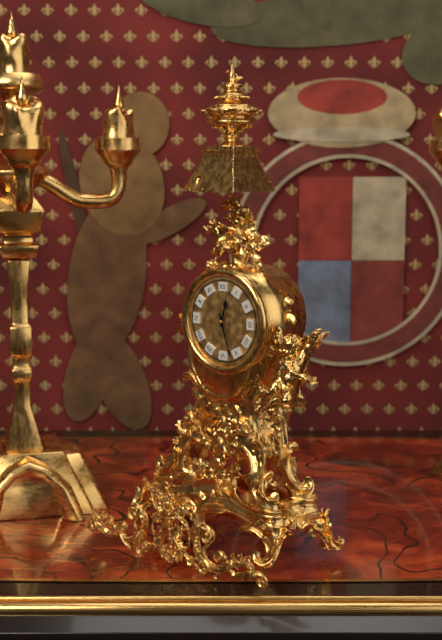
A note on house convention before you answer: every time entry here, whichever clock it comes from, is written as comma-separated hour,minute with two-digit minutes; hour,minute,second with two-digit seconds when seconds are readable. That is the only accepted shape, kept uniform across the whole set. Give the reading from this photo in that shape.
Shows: 12,27
